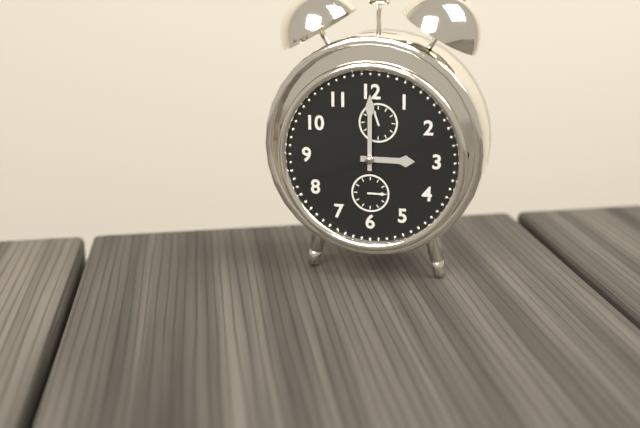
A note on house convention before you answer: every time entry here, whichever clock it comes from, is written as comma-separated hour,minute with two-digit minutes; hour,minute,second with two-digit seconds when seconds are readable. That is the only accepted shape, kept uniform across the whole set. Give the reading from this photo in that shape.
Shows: 3,00
